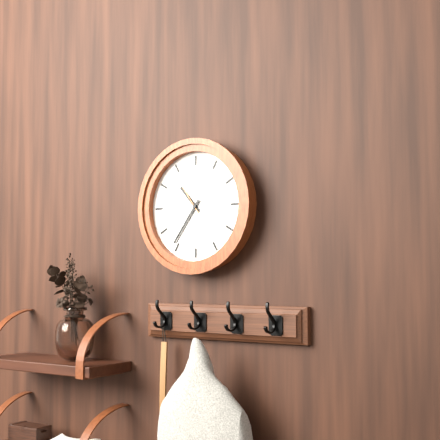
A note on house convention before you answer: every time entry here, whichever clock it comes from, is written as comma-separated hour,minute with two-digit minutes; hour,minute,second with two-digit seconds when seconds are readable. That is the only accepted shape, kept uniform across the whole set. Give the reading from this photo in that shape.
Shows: 10,36,54
